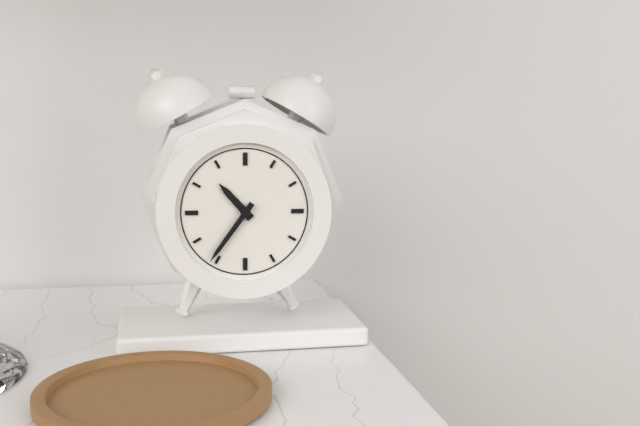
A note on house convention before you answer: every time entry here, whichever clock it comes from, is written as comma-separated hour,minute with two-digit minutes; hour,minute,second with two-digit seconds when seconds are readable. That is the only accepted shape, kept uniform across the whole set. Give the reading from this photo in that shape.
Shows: 10,36
